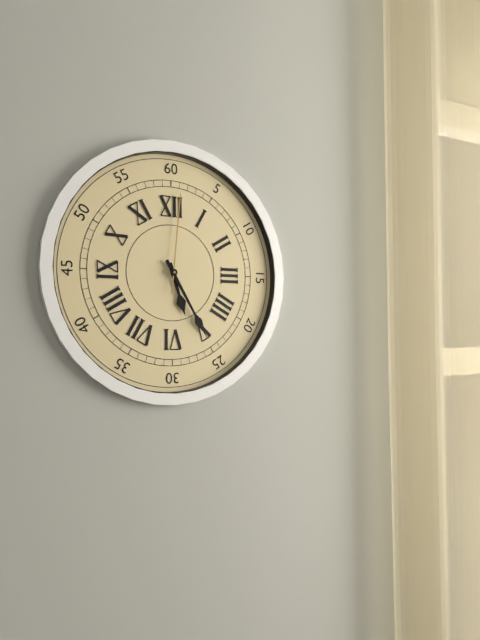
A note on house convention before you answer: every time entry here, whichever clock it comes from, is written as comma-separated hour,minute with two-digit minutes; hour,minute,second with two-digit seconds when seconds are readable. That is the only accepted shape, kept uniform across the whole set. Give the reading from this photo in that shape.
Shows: 5,25,01
